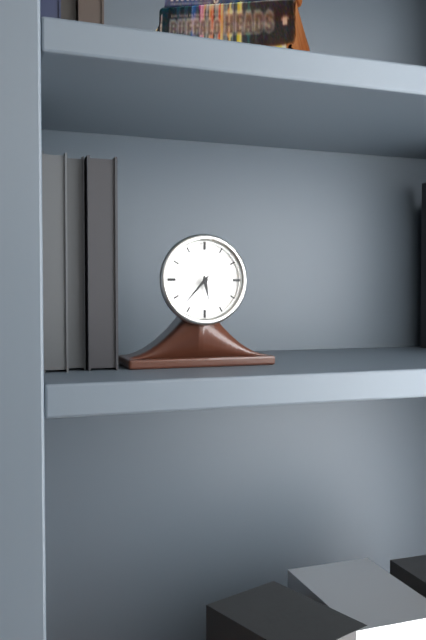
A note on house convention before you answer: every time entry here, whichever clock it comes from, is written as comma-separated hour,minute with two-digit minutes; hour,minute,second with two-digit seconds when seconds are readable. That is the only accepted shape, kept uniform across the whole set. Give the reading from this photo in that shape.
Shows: 5,37
